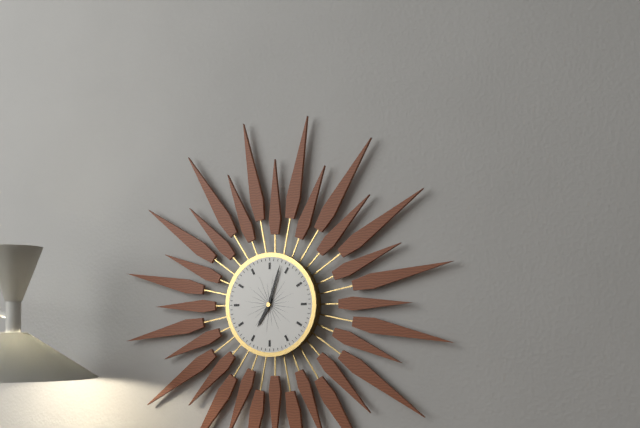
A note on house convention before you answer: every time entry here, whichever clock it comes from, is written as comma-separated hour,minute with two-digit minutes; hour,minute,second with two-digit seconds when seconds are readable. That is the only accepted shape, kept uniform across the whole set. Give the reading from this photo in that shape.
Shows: 7,03
